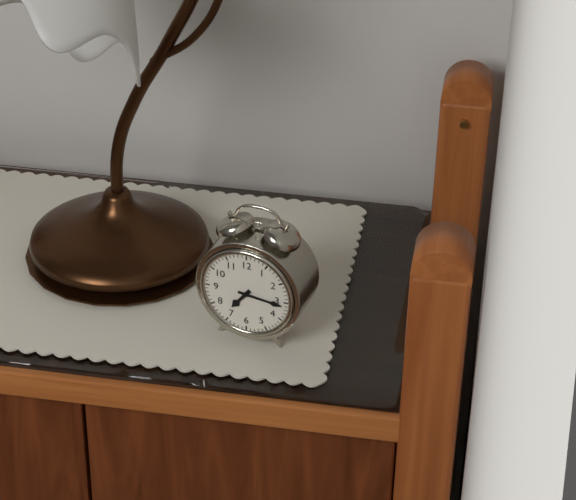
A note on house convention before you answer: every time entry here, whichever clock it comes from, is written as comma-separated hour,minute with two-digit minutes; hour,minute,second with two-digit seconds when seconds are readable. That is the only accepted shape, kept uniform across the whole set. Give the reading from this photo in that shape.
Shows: 7,16
